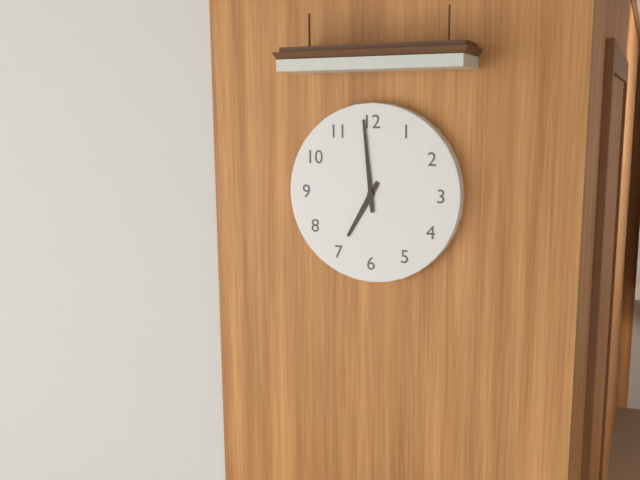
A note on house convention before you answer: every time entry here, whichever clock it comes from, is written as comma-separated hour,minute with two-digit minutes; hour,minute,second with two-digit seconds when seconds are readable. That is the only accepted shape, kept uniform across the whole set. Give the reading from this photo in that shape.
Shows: 6,59
